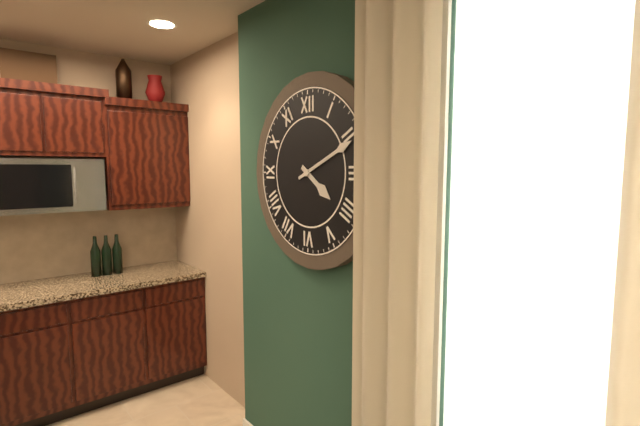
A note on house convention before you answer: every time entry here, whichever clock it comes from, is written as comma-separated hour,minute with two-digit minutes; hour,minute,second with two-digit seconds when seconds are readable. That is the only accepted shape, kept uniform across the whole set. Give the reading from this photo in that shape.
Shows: 4,11
